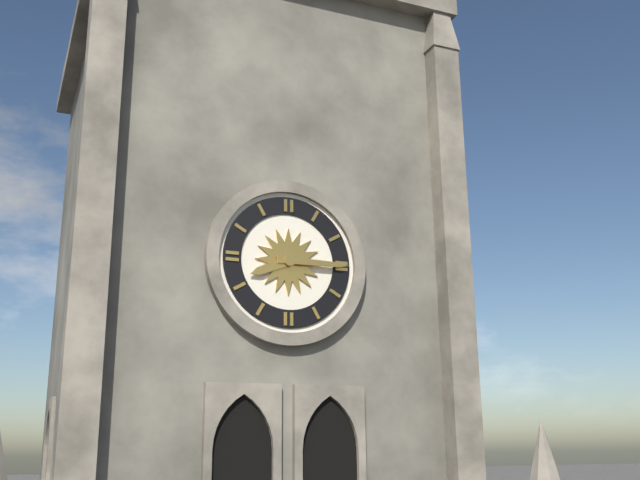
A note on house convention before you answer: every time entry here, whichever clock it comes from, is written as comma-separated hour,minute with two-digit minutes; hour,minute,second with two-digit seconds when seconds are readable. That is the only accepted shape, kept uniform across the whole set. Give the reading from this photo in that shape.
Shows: 8,15
